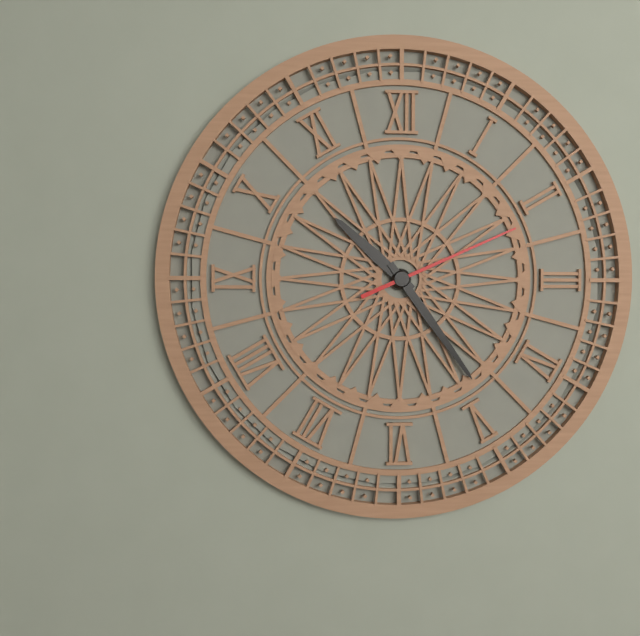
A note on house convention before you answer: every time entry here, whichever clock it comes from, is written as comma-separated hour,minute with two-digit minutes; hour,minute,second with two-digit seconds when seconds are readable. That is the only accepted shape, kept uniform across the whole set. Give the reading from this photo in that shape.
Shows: 10,24,11
